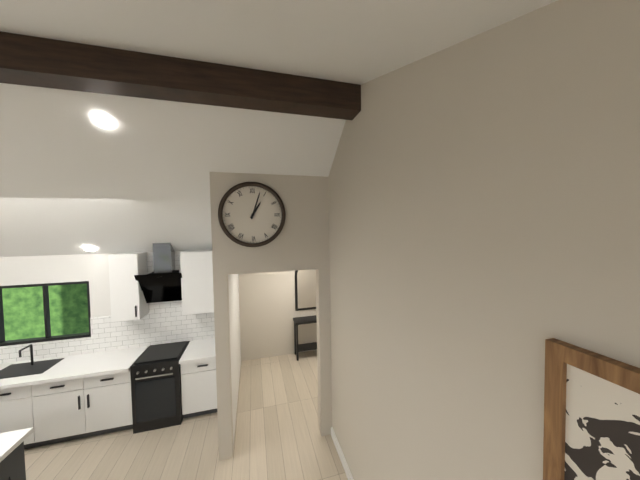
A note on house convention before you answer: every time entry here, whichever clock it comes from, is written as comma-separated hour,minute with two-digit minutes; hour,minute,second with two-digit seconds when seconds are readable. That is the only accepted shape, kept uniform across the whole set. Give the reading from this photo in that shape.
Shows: 1,03
